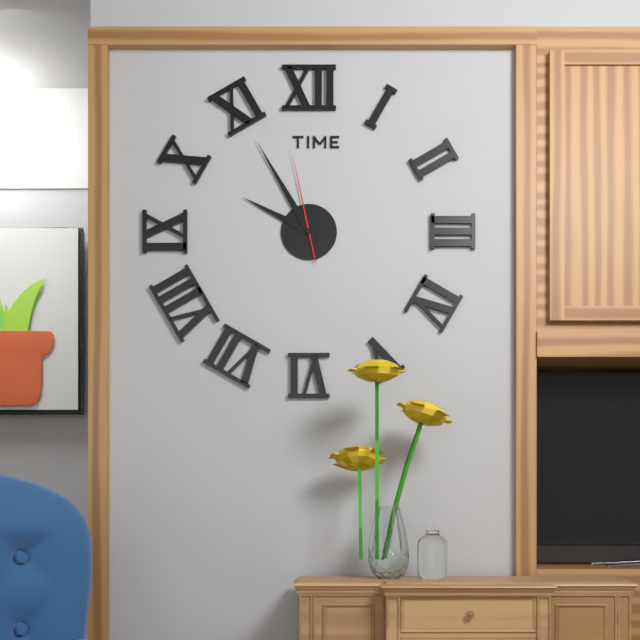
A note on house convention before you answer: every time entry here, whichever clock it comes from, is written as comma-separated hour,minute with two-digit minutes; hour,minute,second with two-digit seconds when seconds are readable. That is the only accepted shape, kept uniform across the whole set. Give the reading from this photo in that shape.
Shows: 9,55,58
